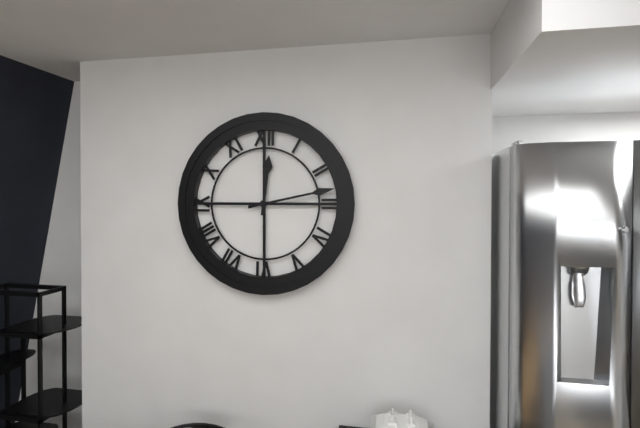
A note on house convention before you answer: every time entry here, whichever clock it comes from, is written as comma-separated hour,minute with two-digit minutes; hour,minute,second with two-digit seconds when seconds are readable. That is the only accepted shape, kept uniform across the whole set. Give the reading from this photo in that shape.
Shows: 12,13
